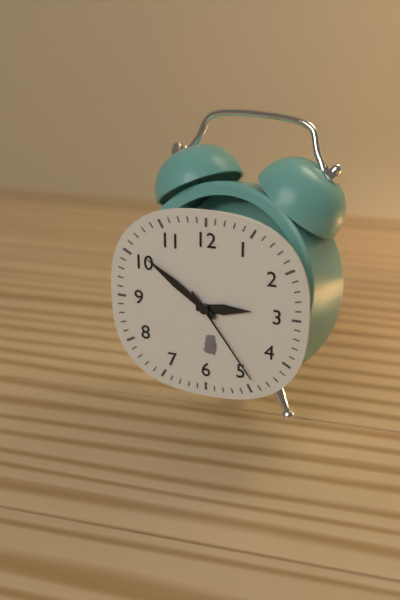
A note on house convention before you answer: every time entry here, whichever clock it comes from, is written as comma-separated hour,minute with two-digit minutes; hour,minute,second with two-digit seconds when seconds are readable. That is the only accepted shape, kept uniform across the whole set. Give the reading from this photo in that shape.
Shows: 2,51,24
